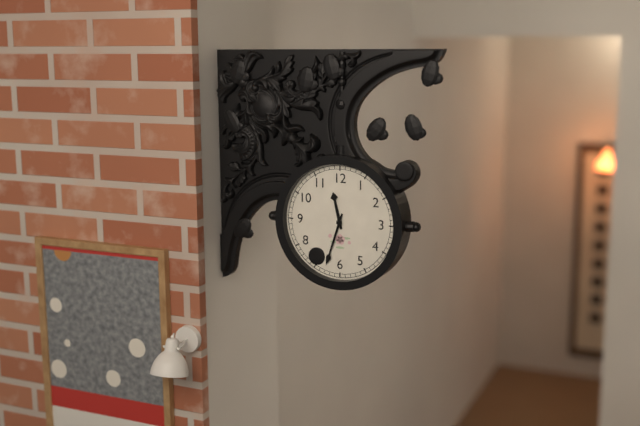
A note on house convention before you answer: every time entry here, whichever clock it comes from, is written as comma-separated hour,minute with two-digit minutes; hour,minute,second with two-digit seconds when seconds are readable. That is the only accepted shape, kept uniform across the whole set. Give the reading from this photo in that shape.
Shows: 11,33
